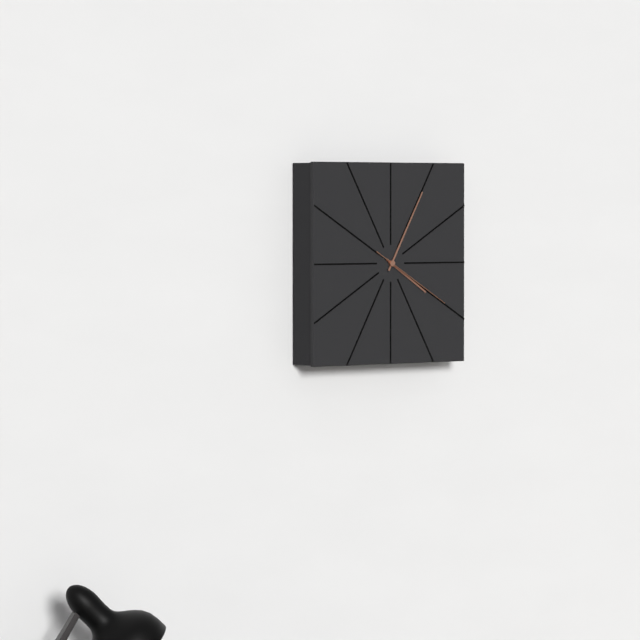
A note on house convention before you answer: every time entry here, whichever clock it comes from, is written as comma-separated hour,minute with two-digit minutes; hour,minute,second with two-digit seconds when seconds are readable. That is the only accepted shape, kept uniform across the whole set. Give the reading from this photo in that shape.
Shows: 4,05,20
